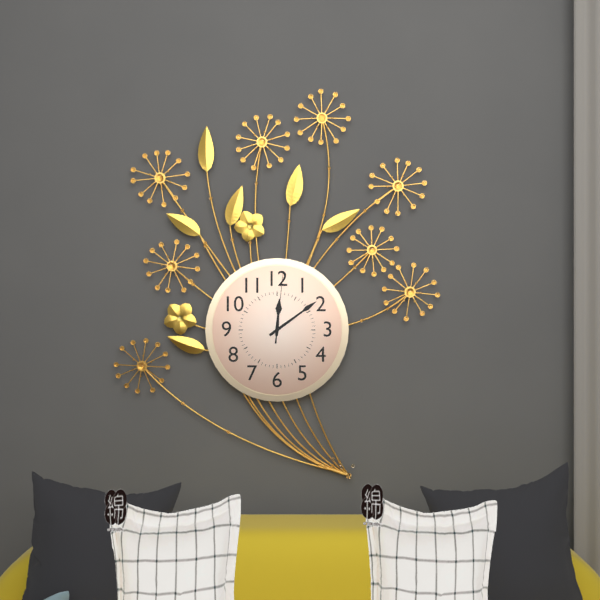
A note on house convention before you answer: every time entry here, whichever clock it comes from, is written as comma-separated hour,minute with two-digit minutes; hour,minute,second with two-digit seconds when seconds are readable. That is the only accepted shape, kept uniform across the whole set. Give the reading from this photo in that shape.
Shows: 12,09,01
